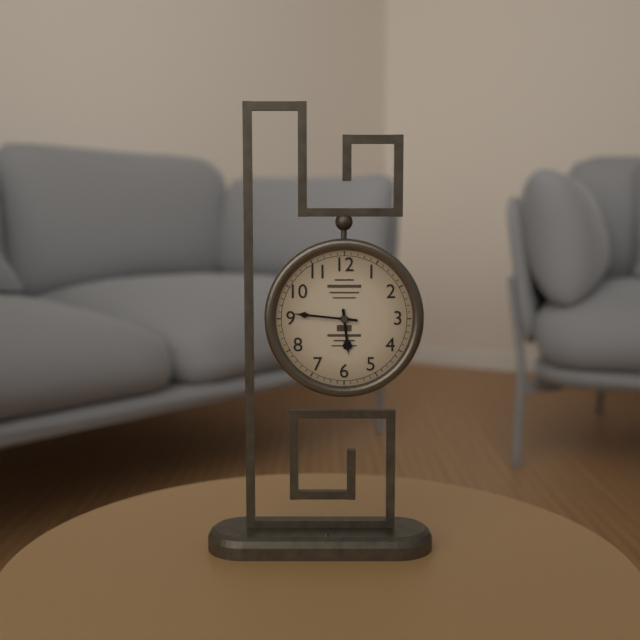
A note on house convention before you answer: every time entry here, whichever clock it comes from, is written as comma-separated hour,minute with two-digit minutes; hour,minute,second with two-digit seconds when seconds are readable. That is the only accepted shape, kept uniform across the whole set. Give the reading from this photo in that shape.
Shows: 5,46
